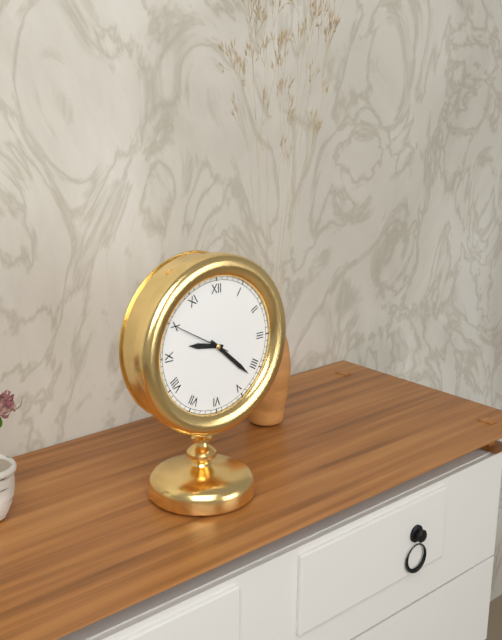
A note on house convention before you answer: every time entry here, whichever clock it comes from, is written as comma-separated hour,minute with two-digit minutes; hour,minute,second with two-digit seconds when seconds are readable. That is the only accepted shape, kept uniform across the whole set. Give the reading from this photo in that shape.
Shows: 9,22,50
